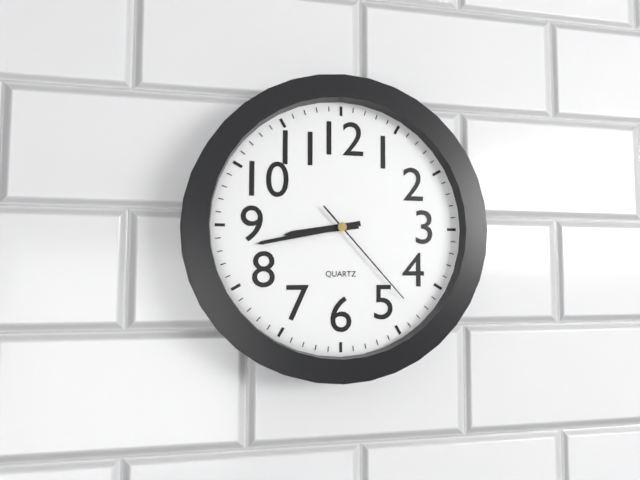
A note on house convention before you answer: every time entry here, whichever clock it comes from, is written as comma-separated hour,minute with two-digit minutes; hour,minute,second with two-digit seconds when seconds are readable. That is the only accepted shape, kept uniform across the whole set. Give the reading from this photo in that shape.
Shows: 8,43,23
